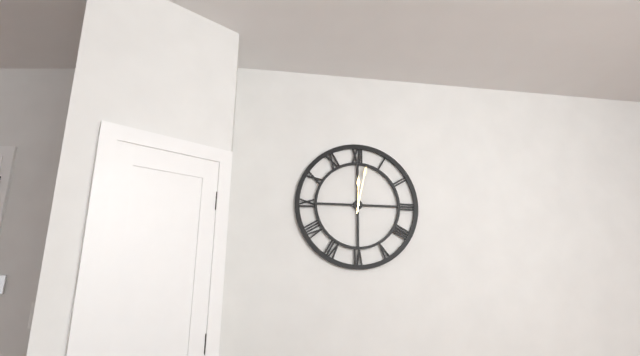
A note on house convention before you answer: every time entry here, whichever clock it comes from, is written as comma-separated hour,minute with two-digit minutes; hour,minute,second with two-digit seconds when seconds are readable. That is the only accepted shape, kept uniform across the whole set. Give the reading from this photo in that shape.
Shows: 12,02
